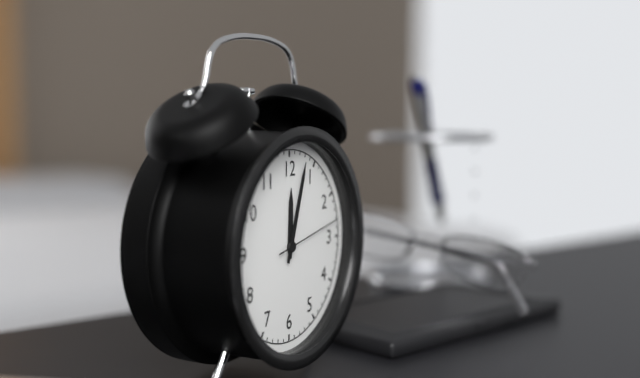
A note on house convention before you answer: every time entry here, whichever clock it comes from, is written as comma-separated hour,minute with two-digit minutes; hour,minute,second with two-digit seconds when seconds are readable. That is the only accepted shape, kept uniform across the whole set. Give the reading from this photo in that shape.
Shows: 12,03,13
